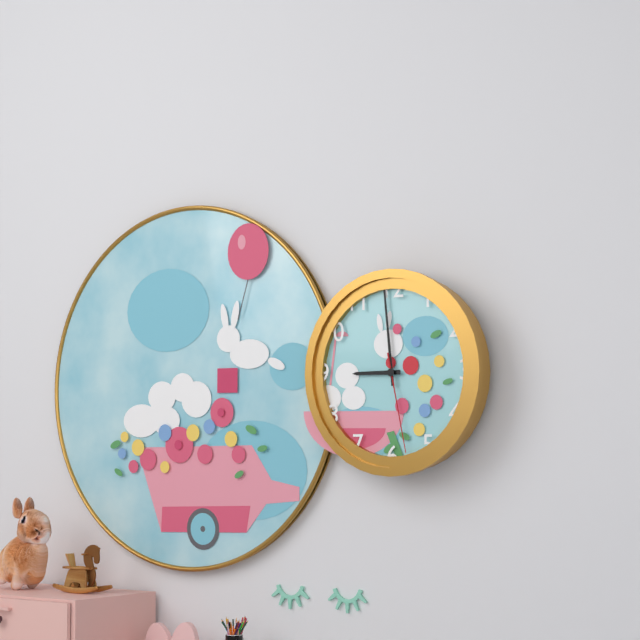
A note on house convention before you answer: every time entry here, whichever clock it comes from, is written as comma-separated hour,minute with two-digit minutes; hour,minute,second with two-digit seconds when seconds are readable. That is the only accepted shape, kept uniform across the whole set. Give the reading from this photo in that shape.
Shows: 8,59,28
